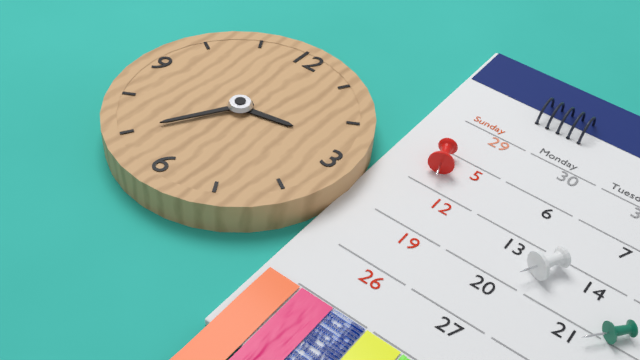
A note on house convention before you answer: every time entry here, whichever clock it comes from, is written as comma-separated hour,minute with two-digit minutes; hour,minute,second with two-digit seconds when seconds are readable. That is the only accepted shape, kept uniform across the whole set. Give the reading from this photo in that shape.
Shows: 2,35
